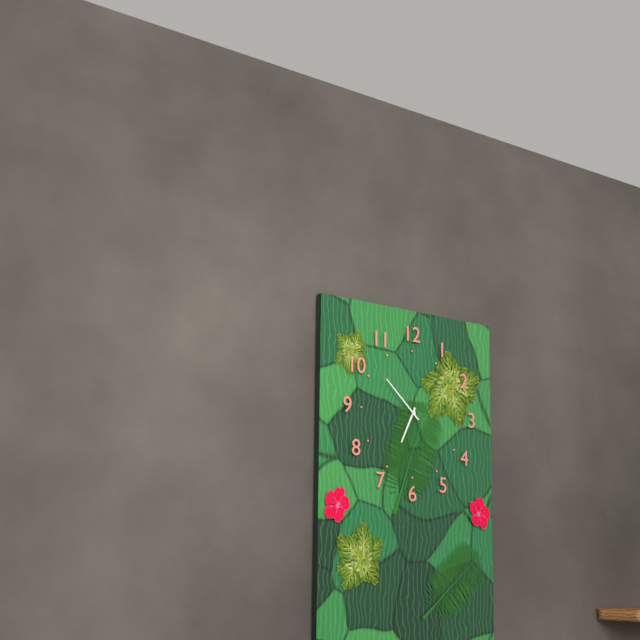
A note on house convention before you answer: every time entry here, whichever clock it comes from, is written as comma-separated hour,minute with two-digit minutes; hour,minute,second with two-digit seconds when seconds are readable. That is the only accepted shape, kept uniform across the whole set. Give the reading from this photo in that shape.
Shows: 6,52
